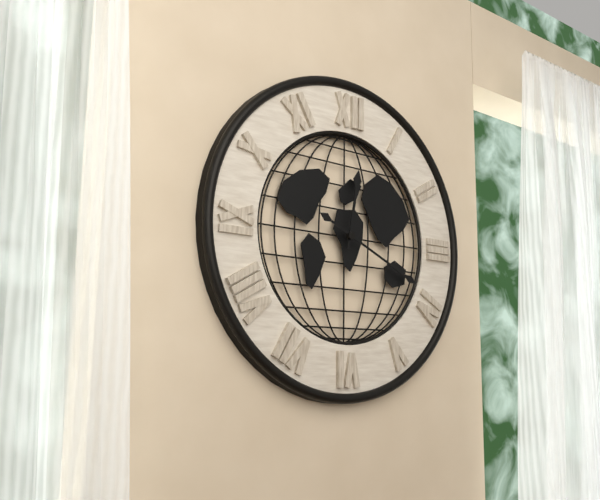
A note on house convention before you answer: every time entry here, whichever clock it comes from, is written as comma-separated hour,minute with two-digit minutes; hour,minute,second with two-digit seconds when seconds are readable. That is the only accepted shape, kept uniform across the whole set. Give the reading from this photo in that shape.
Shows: 12,19
